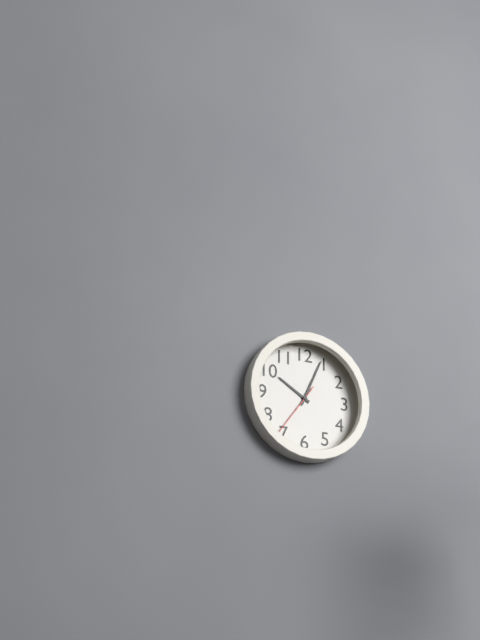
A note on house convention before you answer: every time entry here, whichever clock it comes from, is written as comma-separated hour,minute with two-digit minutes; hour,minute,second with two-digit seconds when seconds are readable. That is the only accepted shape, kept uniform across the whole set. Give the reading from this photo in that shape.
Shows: 10,04,36
